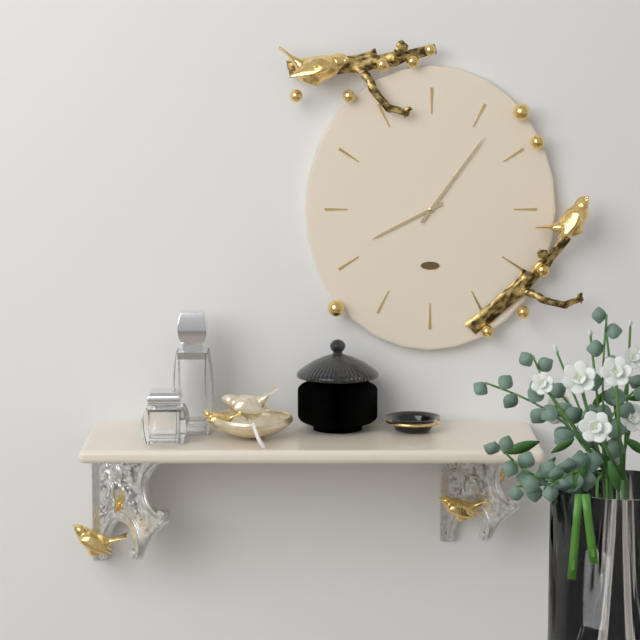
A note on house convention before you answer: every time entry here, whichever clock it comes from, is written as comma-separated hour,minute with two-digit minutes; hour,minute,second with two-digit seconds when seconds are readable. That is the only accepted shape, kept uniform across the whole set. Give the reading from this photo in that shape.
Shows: 8,06
